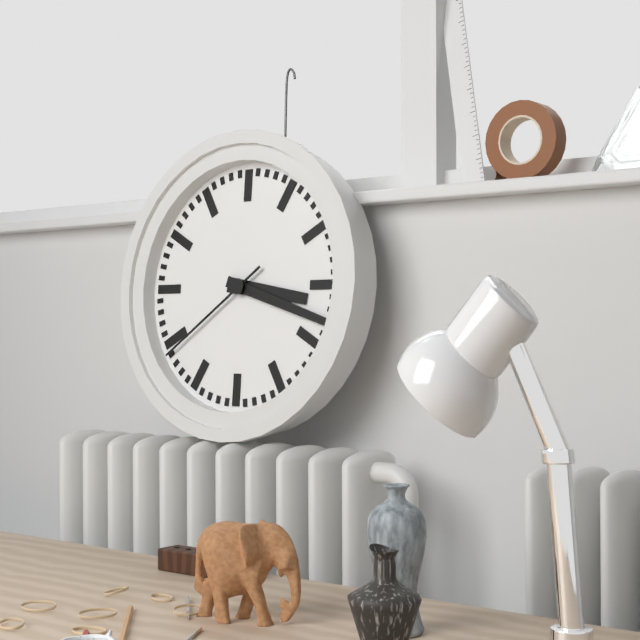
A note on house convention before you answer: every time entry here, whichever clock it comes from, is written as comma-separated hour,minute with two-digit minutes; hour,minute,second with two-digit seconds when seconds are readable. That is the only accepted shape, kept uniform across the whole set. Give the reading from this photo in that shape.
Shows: 3,18,39
